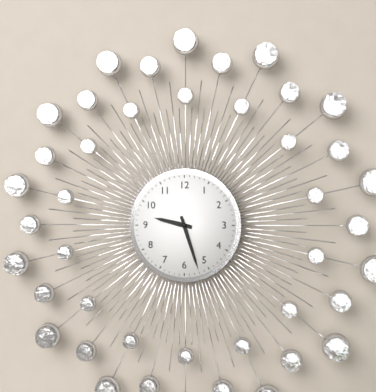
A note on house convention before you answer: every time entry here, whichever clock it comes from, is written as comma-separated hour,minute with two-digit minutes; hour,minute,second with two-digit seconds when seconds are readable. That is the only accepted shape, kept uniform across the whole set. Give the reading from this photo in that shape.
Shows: 9,27
